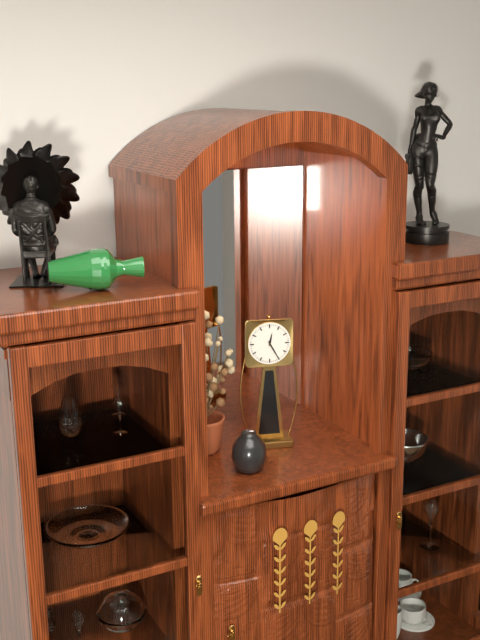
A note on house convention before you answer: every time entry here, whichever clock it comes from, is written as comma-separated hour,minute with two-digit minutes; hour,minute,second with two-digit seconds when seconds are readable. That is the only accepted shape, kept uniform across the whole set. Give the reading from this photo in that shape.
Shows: 12,25
